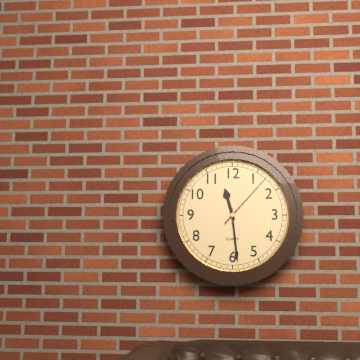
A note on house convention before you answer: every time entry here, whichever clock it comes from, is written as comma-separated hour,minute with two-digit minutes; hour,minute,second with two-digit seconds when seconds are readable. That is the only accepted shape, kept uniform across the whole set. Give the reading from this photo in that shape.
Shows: 11,29,07
